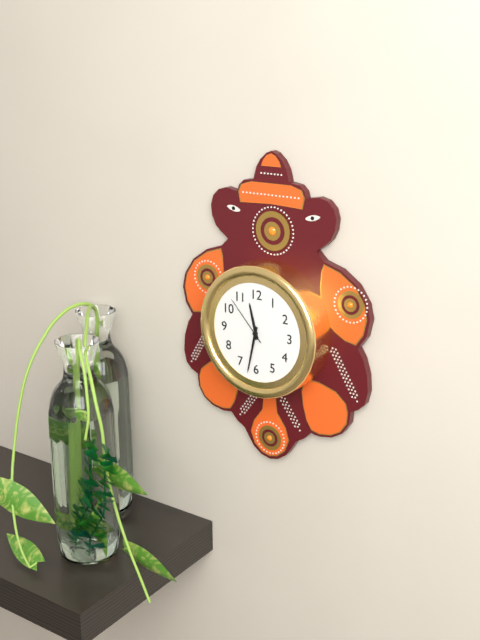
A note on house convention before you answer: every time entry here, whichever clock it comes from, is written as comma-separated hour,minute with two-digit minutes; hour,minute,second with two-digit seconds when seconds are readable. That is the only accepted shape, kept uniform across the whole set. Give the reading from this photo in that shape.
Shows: 11,32,53
